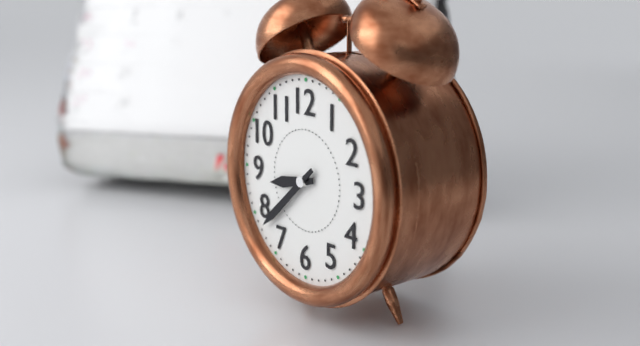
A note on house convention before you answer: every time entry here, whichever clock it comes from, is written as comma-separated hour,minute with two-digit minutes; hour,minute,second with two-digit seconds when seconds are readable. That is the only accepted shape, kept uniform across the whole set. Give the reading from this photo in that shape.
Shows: 8,38
